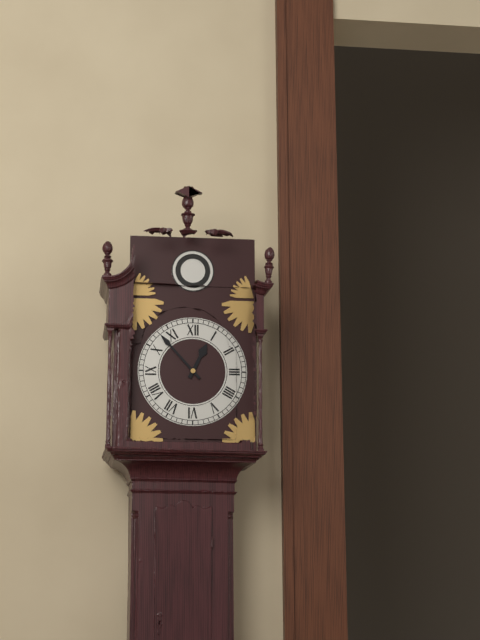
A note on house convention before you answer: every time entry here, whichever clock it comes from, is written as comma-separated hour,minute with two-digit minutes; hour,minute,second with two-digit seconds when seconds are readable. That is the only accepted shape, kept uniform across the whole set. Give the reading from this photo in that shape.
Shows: 12,53
